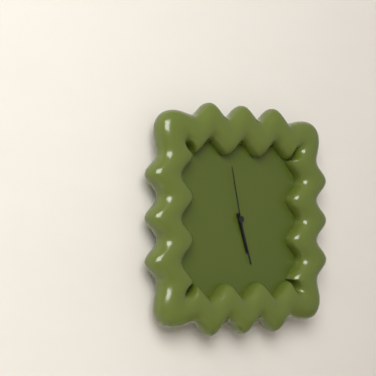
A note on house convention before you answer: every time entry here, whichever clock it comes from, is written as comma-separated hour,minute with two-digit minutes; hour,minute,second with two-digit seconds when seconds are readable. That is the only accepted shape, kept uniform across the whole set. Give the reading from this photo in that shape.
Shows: 5,27,58
